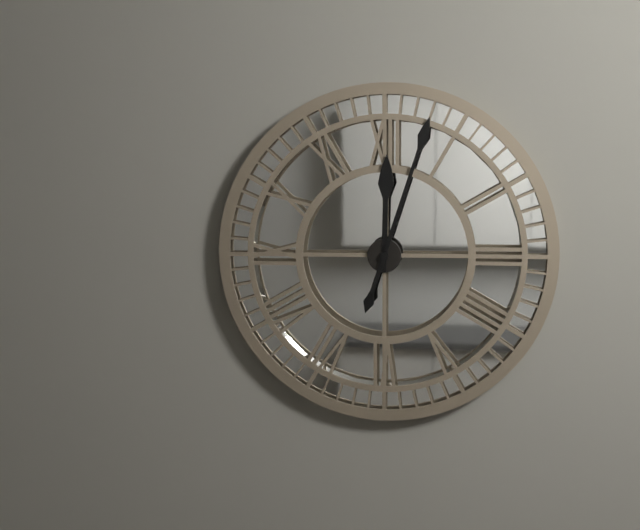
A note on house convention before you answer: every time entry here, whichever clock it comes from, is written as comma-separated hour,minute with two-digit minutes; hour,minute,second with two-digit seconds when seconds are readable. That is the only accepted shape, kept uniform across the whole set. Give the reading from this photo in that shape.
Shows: 12,03
